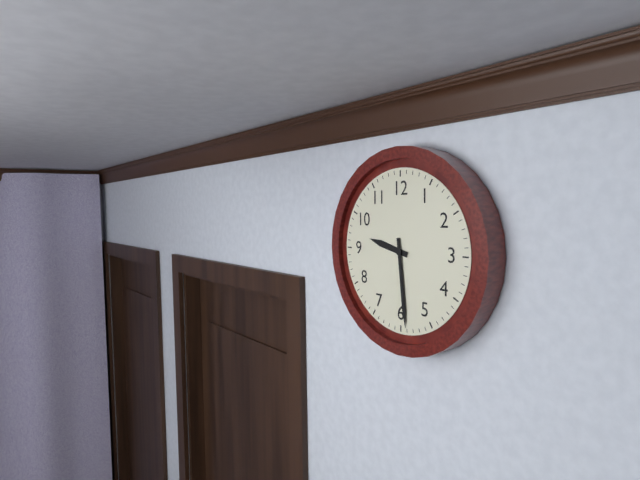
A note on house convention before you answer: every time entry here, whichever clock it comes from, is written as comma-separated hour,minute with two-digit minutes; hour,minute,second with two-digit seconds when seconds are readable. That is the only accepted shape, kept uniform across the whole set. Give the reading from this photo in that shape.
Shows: 9,29
